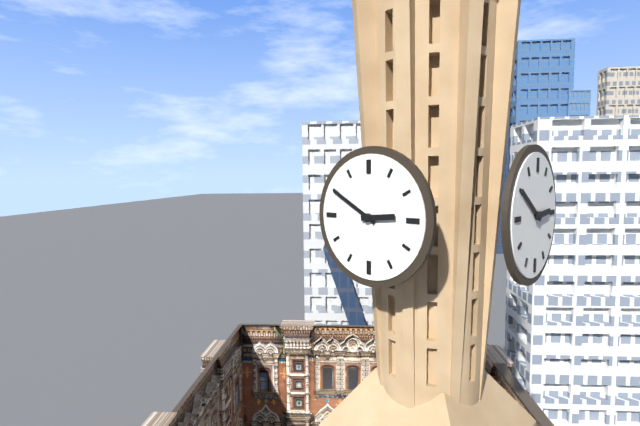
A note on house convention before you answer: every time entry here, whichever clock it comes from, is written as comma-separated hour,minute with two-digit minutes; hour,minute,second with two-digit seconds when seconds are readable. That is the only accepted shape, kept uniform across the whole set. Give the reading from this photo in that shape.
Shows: 2,50
